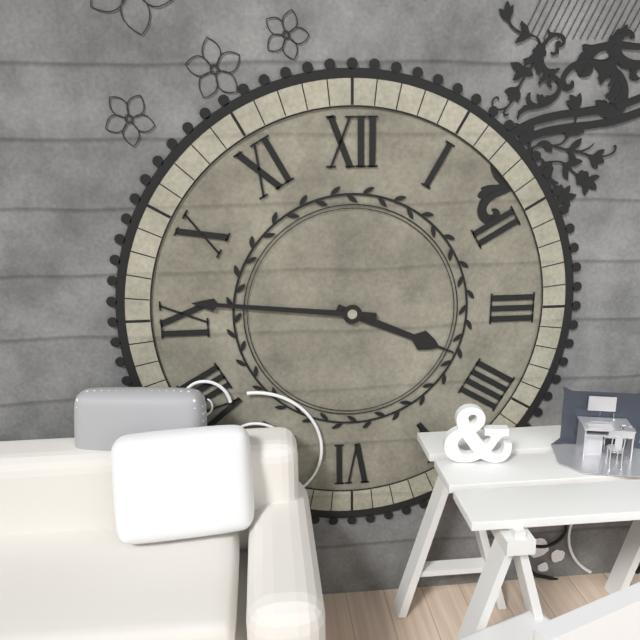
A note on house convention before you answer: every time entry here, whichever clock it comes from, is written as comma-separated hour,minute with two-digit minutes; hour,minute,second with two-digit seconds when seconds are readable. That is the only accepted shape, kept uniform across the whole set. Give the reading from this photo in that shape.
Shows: 3,46
